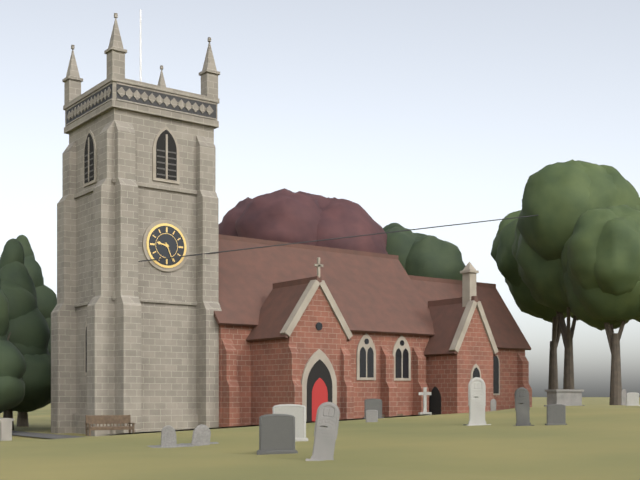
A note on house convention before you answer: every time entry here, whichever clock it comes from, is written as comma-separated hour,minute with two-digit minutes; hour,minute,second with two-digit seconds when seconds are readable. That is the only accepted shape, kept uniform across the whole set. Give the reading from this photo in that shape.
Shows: 9,26
